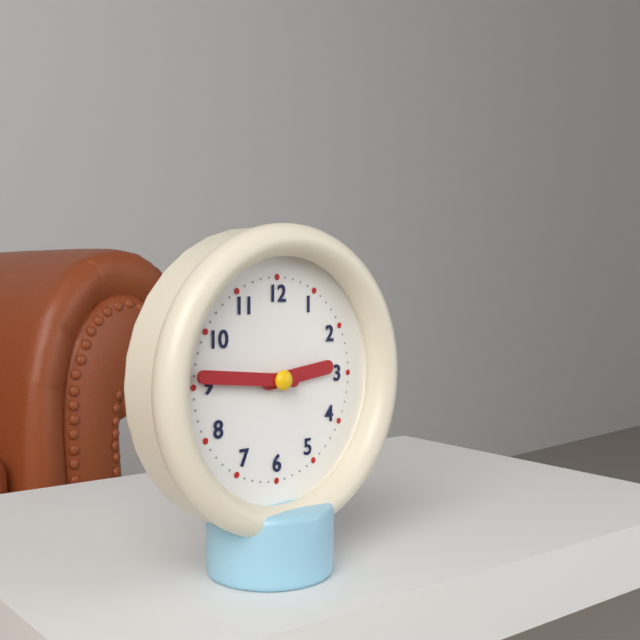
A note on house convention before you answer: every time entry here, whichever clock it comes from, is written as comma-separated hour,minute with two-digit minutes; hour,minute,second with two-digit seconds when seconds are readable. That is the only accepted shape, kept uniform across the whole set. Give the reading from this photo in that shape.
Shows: 2,46
